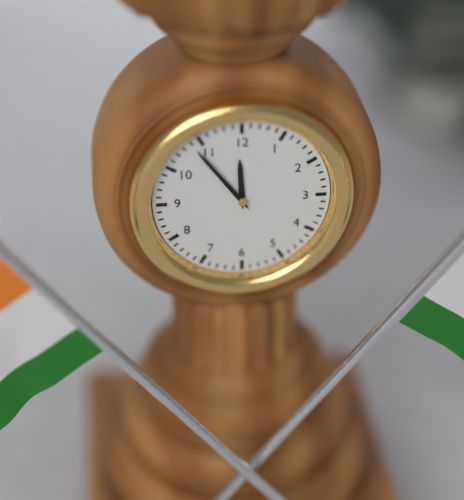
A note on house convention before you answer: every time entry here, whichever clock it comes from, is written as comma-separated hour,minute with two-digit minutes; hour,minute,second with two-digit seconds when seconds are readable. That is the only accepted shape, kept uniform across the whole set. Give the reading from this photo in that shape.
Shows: 11,54
